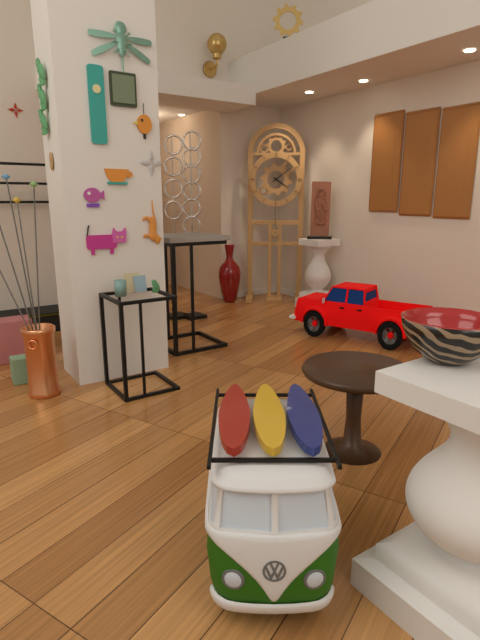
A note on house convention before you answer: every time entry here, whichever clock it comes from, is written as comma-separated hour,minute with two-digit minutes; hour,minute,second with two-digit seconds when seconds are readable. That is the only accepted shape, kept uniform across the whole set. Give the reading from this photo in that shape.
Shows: 4,09
